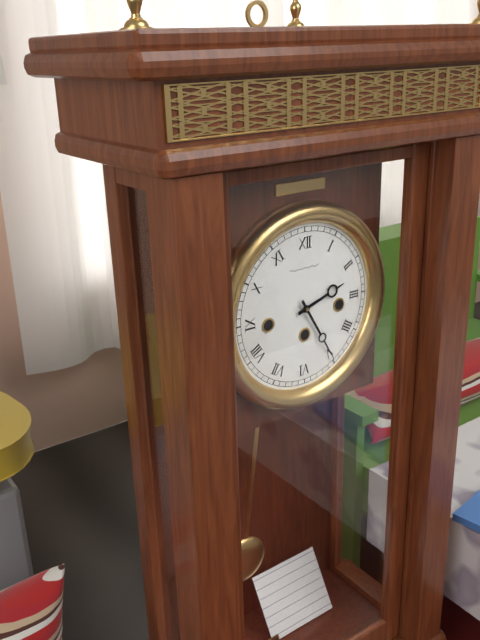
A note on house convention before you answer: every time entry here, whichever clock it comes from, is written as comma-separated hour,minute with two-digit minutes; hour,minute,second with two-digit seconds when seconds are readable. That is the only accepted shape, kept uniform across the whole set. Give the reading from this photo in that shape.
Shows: 2,25
